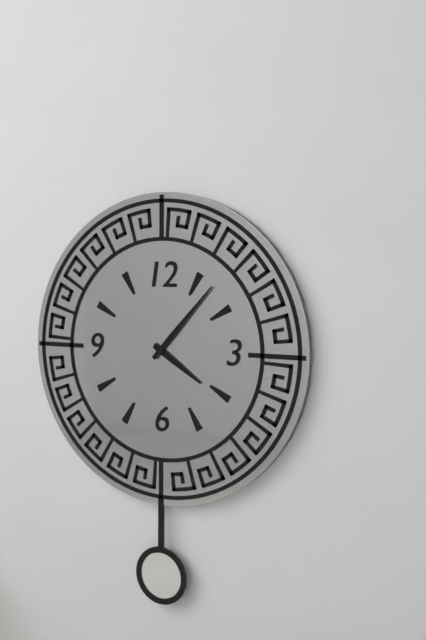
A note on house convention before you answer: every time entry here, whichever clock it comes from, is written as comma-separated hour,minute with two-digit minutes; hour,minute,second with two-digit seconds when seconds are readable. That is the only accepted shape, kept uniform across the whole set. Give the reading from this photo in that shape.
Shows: 4,07
